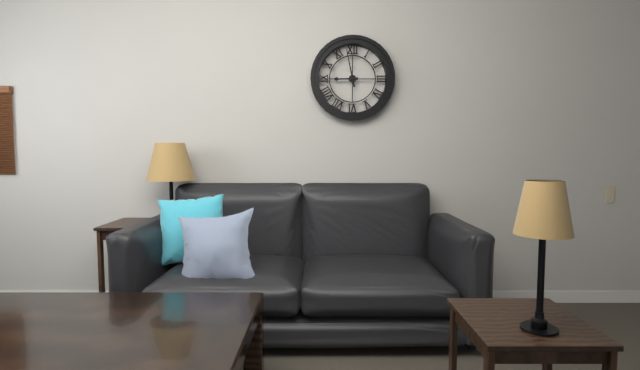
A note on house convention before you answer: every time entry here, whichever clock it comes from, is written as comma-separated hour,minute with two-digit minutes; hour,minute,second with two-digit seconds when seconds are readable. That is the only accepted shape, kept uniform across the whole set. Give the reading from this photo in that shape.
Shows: 8,58
